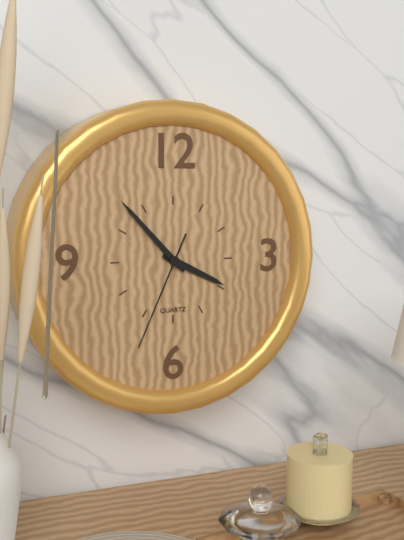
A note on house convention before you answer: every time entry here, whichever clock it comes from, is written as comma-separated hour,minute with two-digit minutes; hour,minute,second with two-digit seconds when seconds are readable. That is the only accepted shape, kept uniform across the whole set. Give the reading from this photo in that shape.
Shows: 3,53,34
